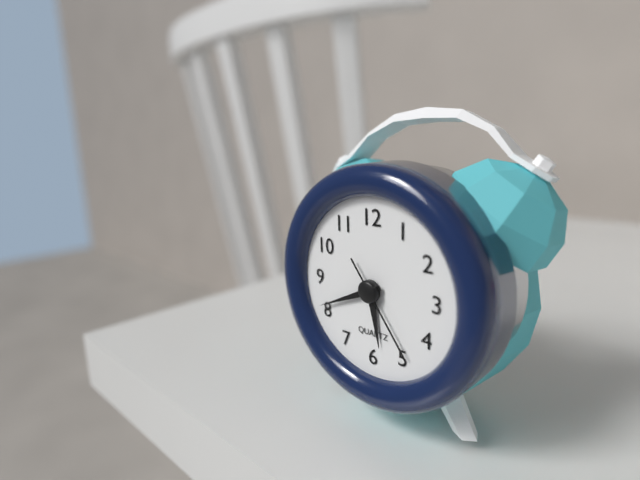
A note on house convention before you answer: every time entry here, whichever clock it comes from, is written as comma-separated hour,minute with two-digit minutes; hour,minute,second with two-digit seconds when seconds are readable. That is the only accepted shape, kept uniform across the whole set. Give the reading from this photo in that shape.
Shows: 5,41,24
